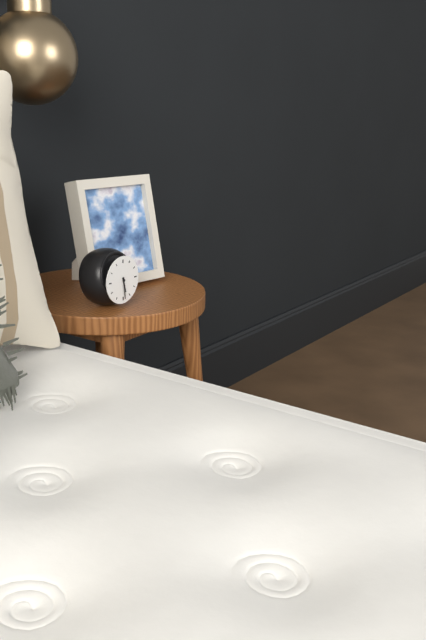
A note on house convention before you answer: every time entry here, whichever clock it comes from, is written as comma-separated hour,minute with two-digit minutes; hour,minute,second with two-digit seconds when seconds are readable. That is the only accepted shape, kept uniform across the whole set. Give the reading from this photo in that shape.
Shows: 5,29
